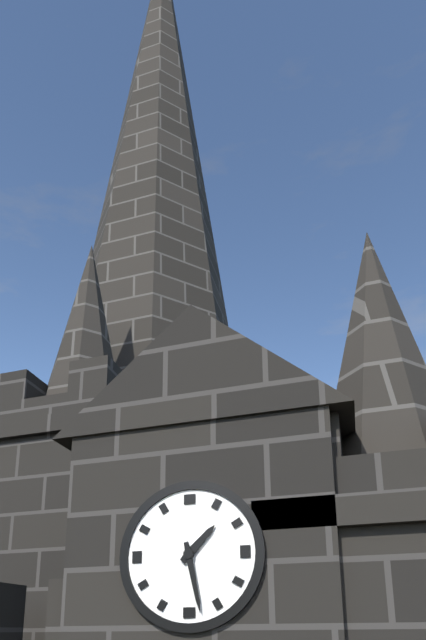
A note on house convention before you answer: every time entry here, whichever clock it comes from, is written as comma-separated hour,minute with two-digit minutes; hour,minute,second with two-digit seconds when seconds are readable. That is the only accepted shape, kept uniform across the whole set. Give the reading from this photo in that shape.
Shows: 1,28
